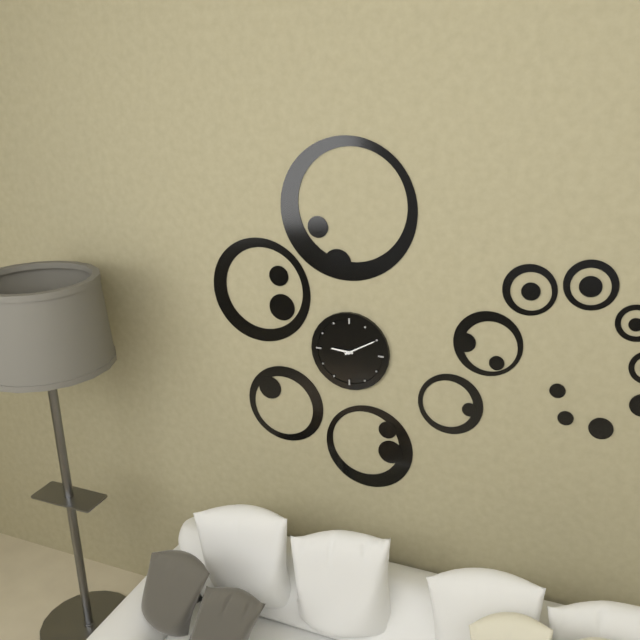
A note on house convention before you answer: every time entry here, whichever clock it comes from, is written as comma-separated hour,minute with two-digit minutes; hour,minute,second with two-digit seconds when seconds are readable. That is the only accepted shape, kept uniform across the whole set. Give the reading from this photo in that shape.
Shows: 9,10
